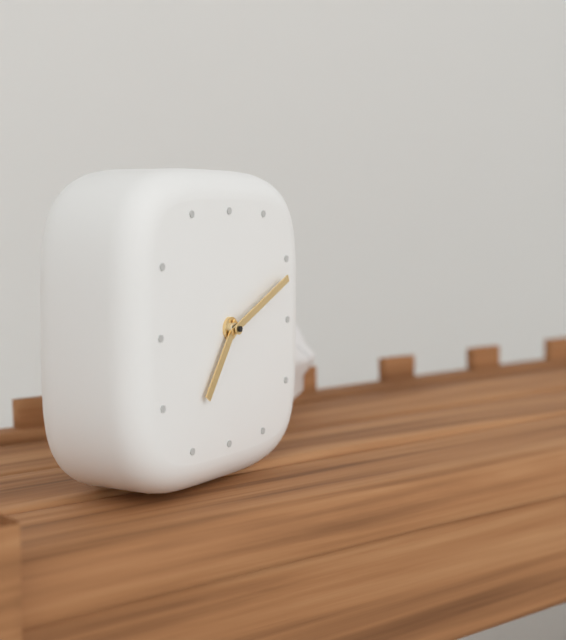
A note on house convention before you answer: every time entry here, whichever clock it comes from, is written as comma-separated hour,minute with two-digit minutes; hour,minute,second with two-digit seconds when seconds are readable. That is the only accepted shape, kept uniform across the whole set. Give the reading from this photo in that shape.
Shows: 7,11
